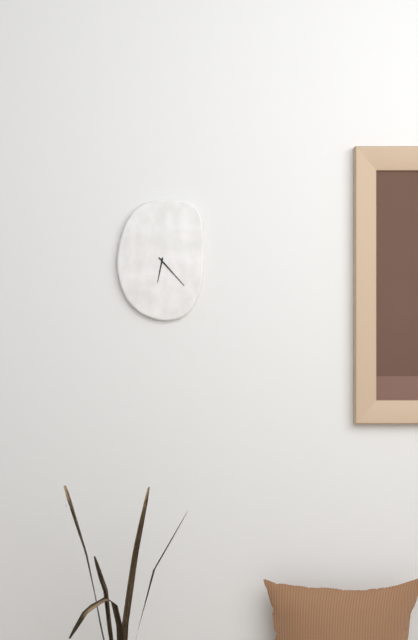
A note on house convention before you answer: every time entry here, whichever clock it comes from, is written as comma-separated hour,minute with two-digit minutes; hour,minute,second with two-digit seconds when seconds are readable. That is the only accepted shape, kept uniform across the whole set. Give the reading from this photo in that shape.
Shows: 6,23
